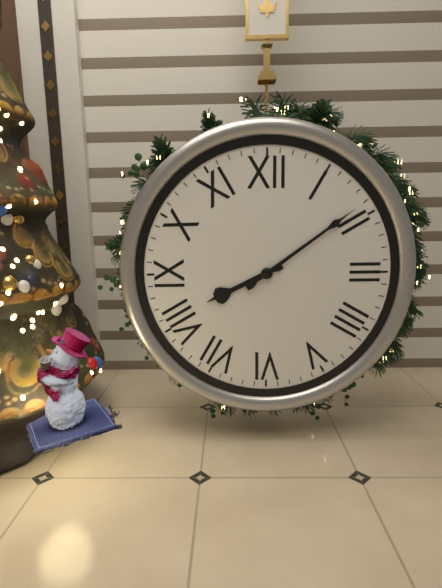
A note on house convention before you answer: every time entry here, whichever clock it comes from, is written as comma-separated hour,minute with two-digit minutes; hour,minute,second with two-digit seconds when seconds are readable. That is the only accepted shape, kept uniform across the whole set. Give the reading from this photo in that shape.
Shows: 8,09
